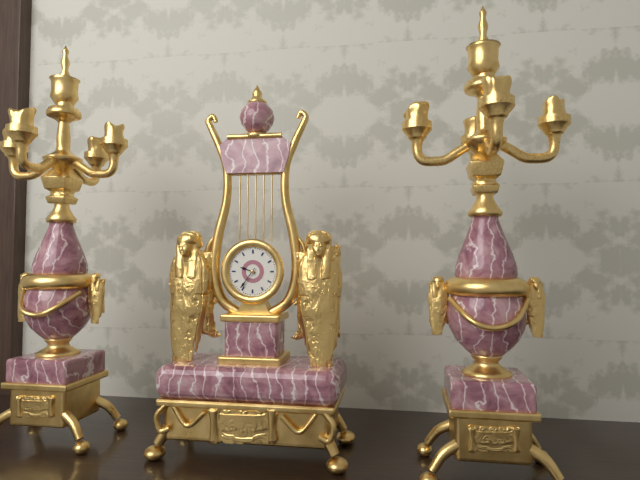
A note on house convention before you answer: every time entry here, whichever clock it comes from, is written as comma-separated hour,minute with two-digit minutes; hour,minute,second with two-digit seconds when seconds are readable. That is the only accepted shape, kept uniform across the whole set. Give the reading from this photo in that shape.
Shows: 9,36
